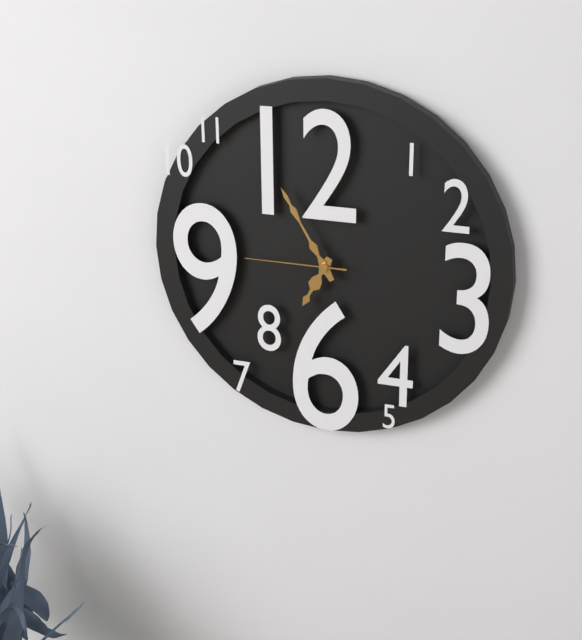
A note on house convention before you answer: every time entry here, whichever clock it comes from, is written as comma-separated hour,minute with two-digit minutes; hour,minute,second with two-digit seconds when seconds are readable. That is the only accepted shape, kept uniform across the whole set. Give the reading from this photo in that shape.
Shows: 6,55,45
